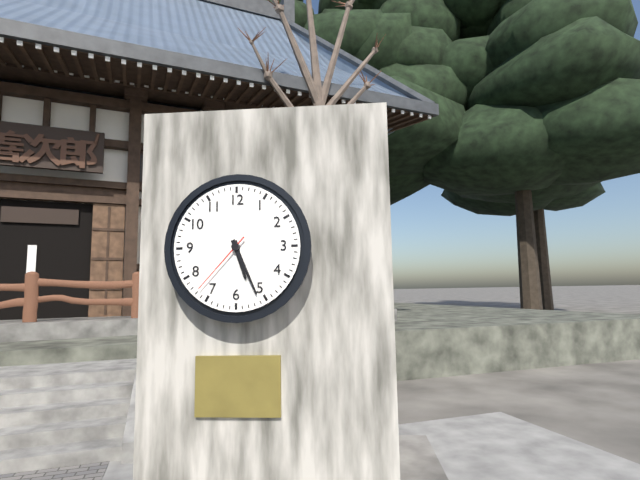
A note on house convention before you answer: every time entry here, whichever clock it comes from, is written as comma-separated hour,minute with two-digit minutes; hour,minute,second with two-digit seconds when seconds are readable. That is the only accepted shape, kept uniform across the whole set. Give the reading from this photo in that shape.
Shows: 5,26,37
